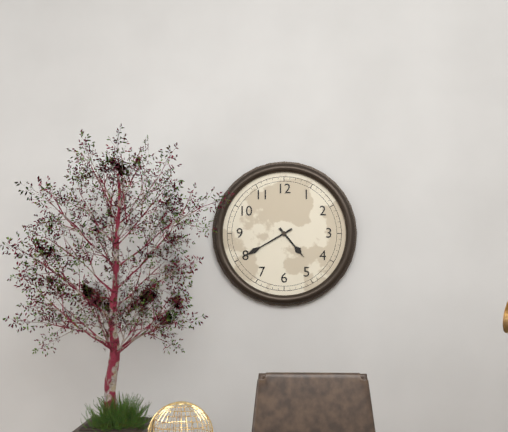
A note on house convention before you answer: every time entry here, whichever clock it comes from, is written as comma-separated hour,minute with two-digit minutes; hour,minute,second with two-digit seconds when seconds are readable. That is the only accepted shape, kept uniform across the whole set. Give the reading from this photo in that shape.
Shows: 4,40
